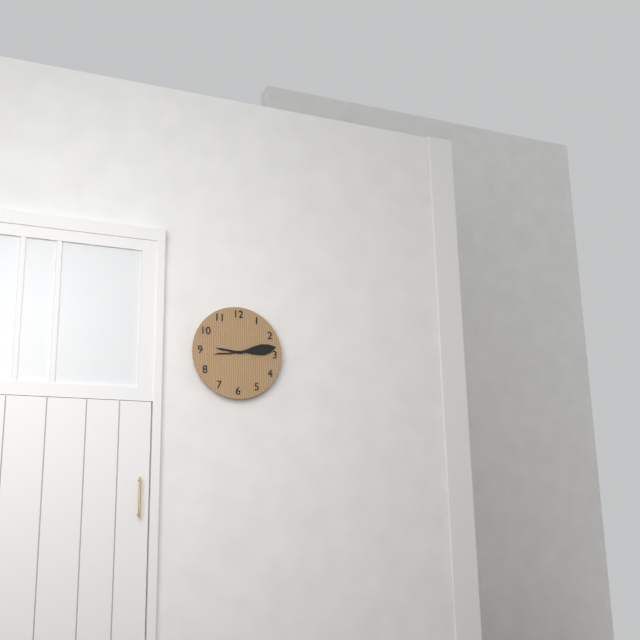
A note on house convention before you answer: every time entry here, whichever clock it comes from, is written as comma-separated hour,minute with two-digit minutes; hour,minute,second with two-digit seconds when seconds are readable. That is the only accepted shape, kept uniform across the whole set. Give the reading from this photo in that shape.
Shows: 9,13
